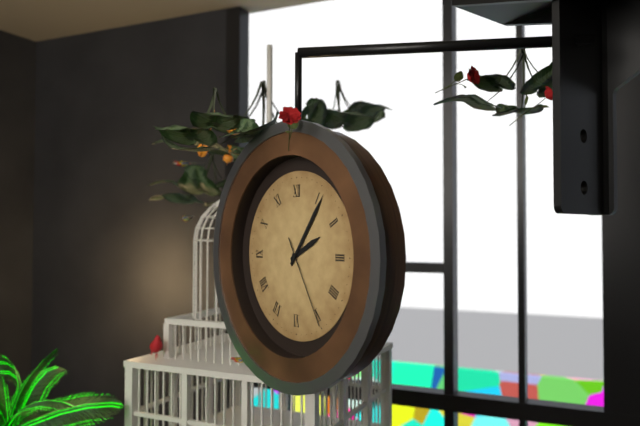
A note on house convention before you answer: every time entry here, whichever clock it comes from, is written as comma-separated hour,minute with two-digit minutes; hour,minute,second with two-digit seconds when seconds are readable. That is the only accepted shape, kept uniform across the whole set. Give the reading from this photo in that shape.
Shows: 2,06,25
